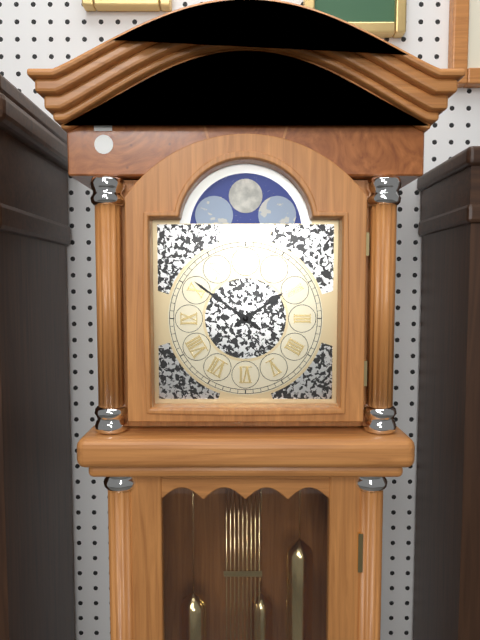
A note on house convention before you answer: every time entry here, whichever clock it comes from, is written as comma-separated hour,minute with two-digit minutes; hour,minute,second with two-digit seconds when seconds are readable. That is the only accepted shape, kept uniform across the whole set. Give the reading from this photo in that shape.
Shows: 1,51
